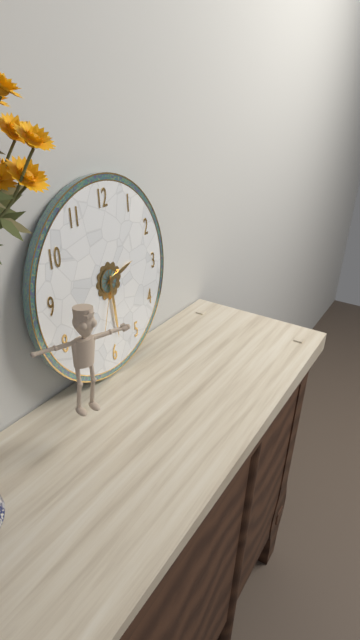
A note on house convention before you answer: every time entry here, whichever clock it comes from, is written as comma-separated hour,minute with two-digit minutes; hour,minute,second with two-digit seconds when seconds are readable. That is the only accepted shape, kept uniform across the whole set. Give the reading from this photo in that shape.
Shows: 2,29,33
